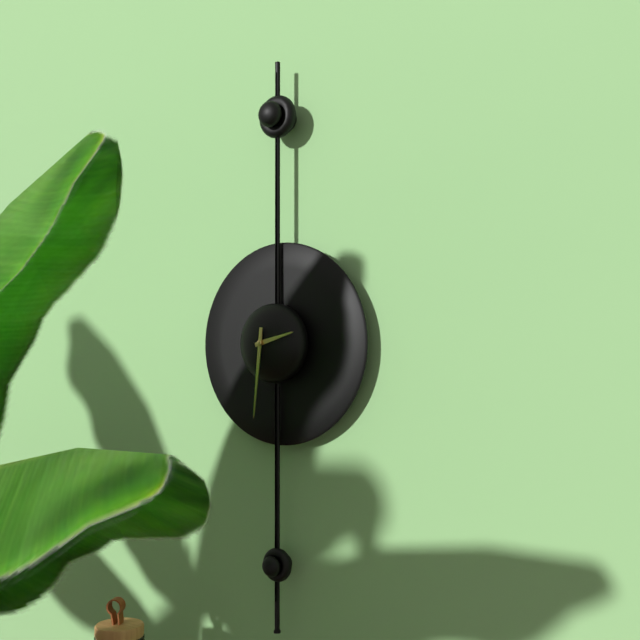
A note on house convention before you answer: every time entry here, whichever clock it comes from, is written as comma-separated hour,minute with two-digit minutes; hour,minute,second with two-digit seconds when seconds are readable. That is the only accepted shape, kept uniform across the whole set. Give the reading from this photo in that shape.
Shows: 2,31
